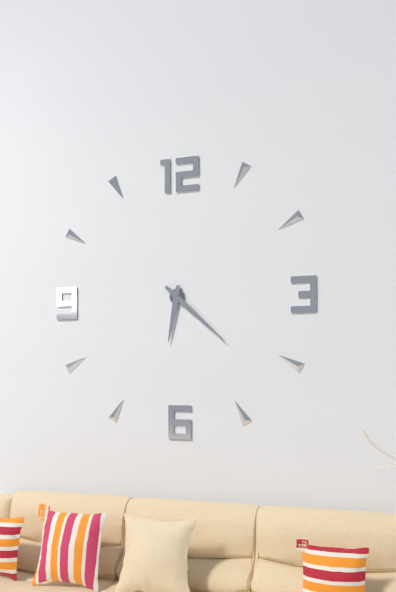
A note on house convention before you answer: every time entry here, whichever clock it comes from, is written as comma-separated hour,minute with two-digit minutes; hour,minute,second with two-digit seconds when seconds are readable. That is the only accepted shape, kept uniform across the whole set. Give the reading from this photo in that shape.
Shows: 6,22
